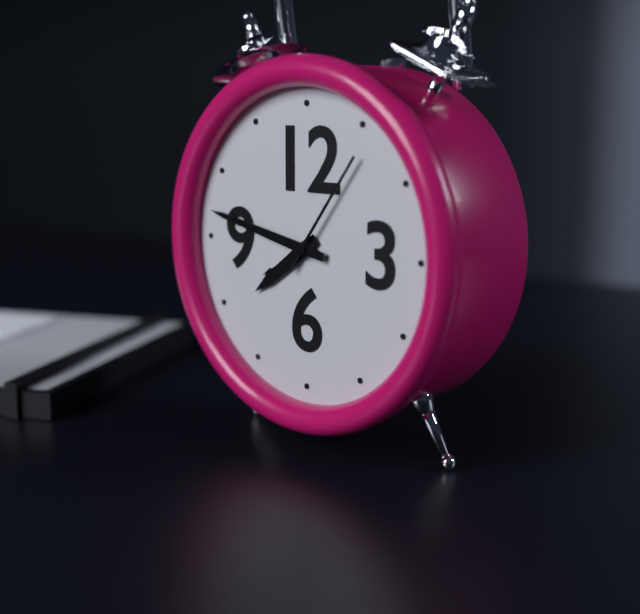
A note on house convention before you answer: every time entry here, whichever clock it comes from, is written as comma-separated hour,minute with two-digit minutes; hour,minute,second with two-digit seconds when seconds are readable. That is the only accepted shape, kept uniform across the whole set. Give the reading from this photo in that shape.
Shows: 7,47,06
